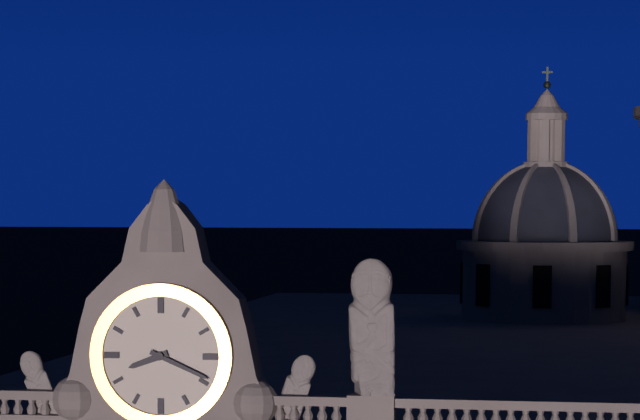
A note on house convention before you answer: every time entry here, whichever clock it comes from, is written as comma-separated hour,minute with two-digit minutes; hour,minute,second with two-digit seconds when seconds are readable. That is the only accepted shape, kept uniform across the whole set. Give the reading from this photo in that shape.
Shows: 8,19
